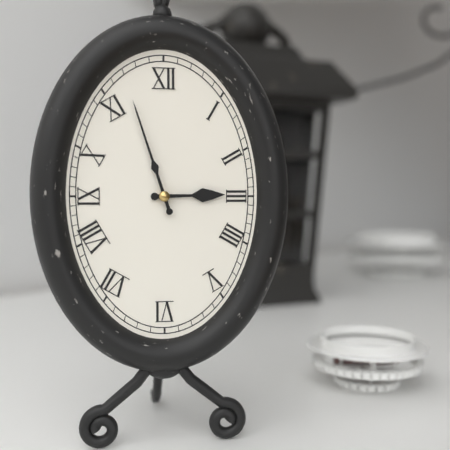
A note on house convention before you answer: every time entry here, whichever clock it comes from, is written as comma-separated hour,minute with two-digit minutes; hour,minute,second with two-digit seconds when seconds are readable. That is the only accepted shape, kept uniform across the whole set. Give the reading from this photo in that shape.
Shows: 2,57
